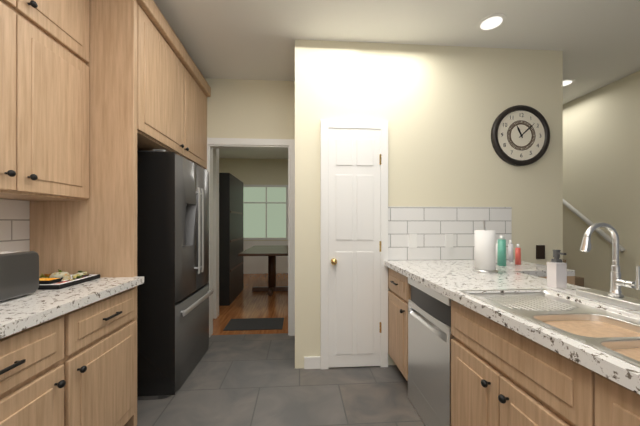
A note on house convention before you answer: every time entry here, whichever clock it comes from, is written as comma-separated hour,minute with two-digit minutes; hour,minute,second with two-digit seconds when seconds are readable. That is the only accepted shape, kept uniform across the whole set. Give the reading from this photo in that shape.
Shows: 11,08
